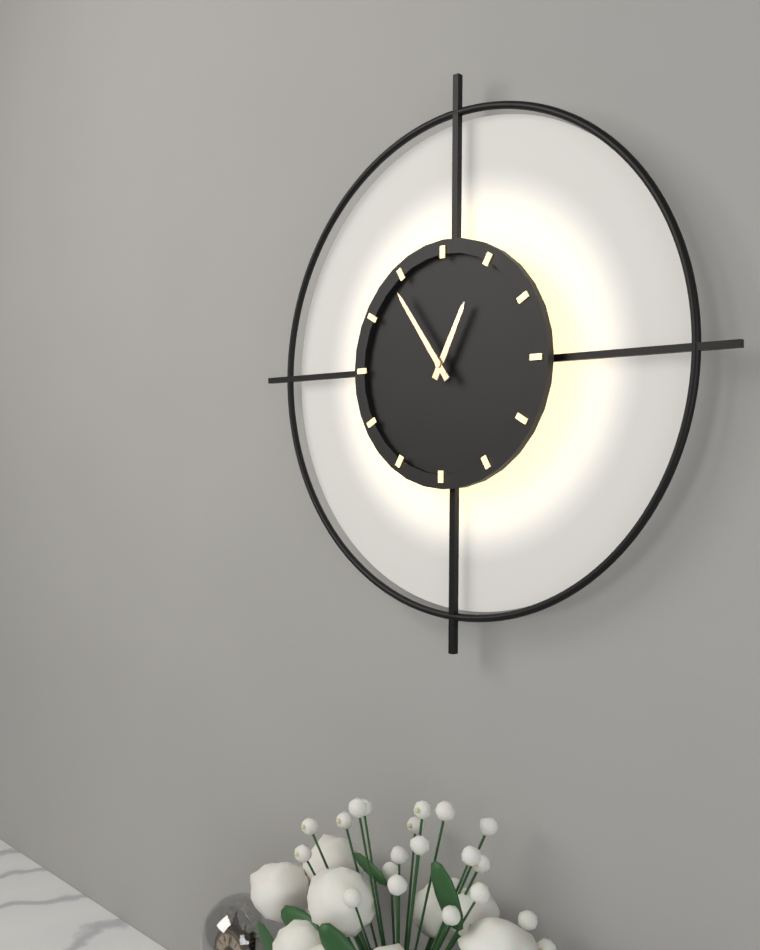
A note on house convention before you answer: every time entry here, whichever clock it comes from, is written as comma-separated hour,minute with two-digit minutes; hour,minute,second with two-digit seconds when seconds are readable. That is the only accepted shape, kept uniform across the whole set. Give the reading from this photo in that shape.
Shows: 12,54
